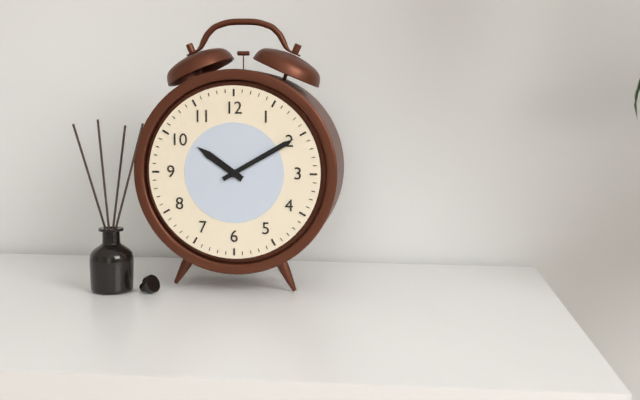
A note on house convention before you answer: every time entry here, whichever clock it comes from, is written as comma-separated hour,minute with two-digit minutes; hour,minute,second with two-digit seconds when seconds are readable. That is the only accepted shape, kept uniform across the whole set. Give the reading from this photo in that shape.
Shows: 10,10
